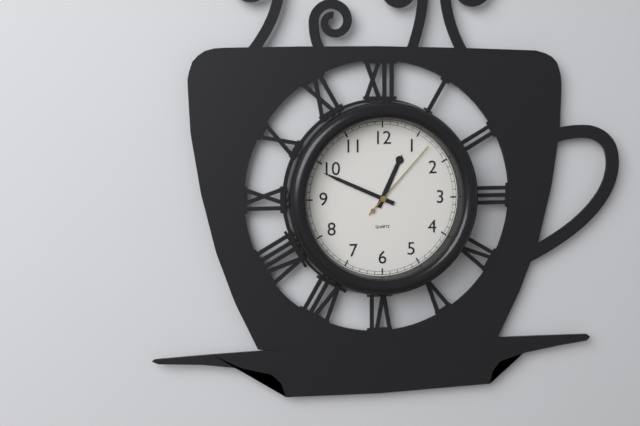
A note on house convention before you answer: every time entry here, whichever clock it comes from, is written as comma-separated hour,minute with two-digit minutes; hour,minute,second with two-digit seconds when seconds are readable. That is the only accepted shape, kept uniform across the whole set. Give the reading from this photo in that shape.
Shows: 12,49,07
